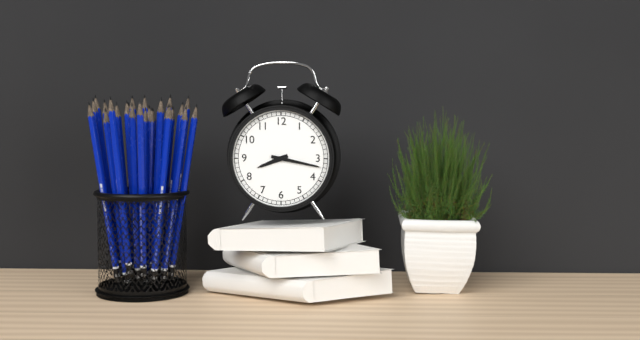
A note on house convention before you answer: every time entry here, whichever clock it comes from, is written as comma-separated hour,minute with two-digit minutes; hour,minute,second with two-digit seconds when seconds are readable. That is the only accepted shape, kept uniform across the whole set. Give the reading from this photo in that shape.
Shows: 8,17
